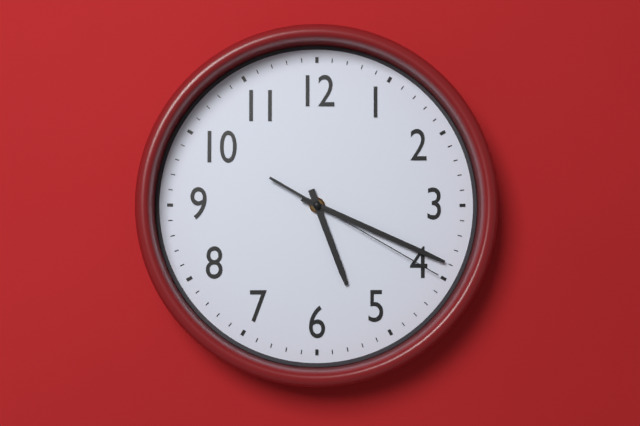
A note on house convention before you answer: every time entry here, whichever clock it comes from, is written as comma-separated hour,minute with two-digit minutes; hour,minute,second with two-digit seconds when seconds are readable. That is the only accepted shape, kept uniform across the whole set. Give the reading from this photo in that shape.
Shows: 5,19,20
